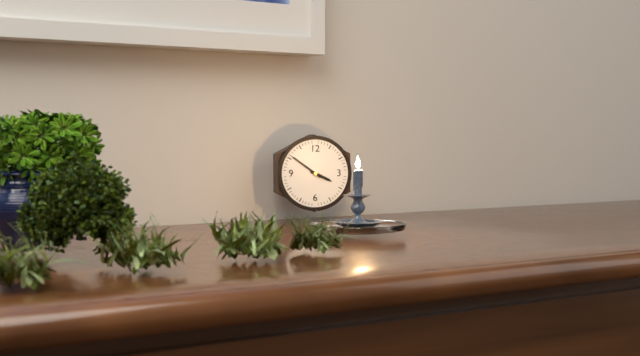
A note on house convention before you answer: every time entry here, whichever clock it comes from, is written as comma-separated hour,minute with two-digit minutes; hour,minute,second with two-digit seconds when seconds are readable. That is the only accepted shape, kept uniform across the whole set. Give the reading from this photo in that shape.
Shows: 3,51
